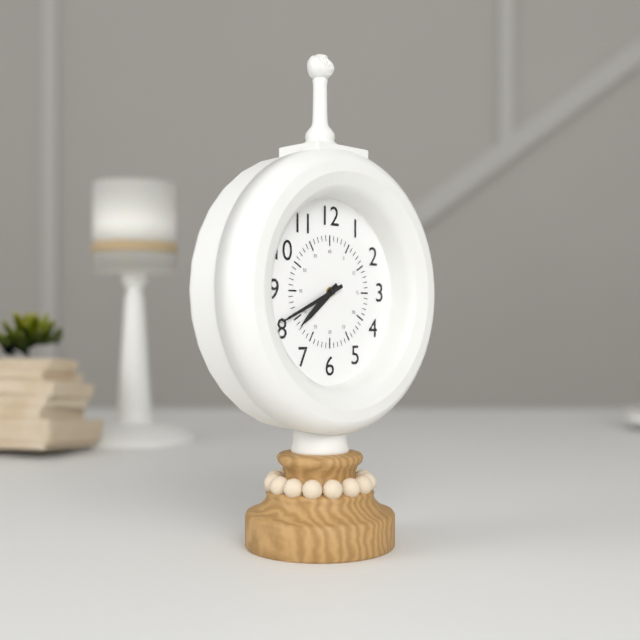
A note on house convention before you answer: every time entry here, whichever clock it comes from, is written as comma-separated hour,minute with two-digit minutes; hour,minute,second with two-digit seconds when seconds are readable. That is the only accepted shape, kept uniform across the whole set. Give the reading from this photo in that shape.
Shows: 7,41
